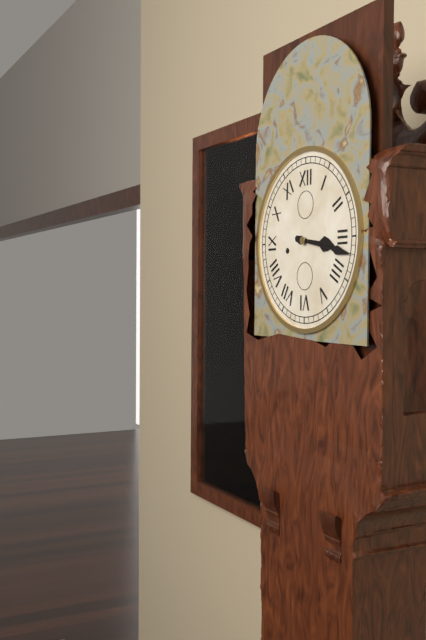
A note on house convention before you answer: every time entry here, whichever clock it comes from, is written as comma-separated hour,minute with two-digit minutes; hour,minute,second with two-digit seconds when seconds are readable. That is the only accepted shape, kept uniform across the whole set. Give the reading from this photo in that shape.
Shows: 3,17
